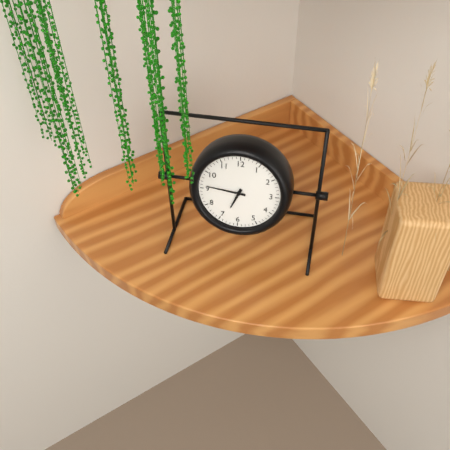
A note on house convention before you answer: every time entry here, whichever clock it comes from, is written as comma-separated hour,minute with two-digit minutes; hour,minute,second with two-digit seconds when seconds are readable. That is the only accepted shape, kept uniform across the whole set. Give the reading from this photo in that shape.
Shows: 6,46
